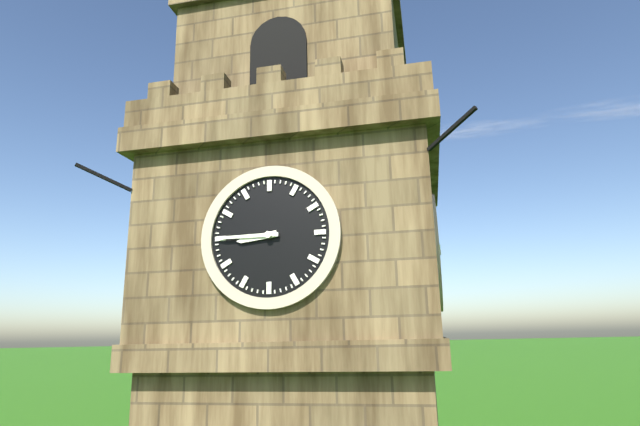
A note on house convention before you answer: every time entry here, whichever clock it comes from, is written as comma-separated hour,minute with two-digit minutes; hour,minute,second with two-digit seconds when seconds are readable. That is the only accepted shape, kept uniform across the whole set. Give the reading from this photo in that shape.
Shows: 8,45
